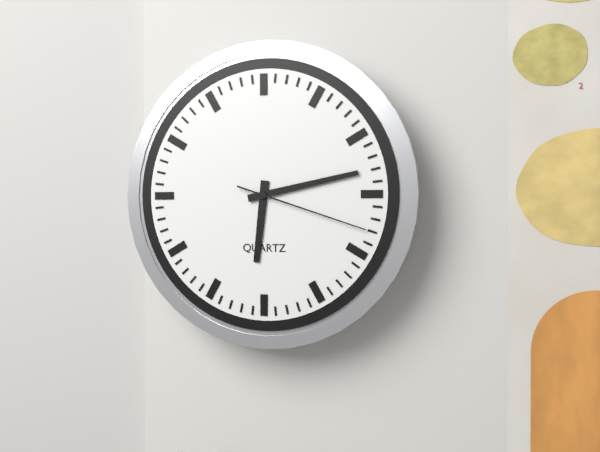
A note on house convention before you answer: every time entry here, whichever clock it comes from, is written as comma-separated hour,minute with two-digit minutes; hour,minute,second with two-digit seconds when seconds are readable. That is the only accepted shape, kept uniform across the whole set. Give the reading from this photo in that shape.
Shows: 6,13,18
